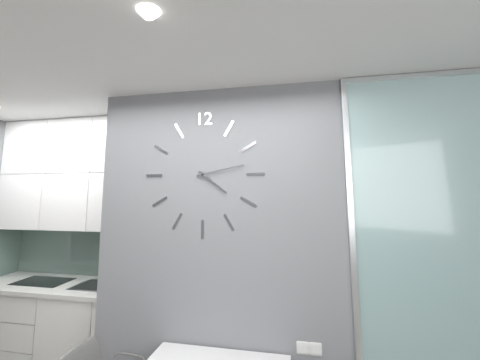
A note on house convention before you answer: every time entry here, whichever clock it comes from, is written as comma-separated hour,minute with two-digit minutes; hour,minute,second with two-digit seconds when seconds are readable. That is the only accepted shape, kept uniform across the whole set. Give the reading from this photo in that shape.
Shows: 4,13
